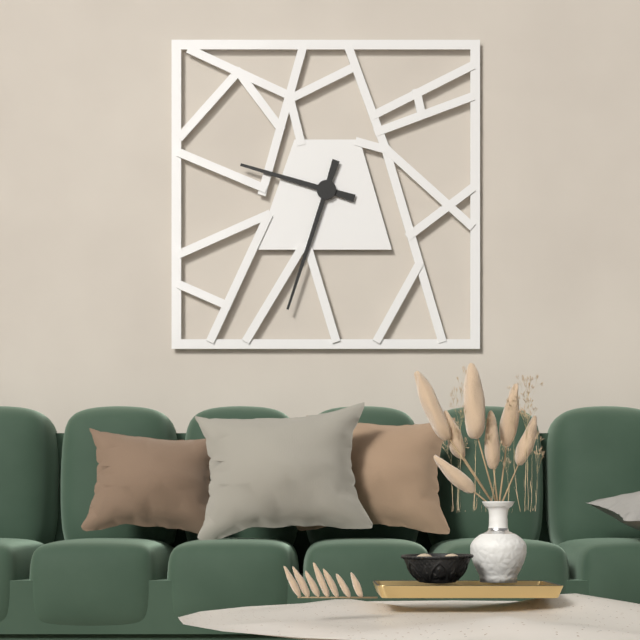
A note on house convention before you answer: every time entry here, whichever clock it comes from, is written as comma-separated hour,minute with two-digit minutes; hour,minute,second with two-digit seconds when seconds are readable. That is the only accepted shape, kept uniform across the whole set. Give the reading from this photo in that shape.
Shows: 9,33
